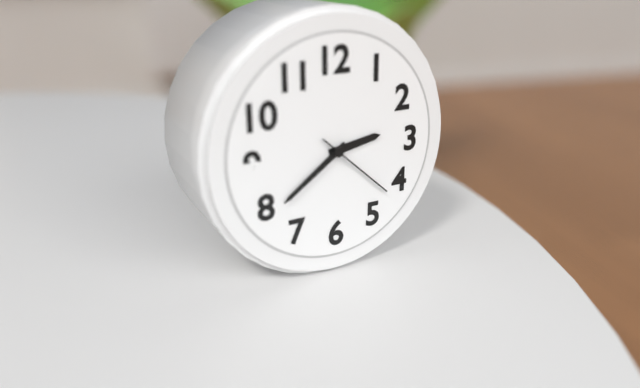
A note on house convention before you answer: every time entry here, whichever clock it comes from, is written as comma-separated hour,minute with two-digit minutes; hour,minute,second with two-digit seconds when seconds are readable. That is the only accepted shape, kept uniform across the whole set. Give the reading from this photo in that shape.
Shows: 2,39,22
